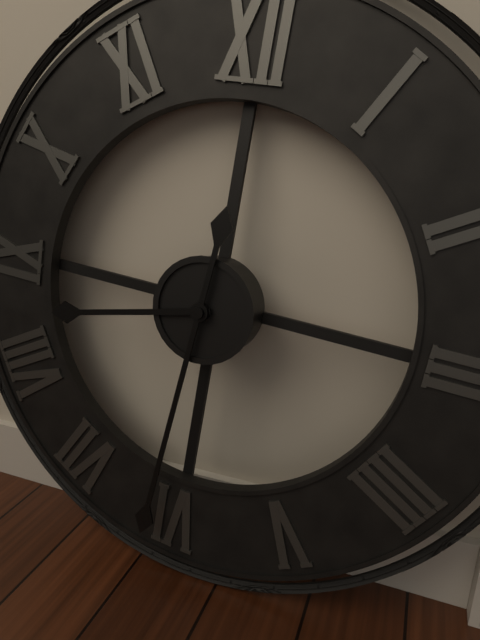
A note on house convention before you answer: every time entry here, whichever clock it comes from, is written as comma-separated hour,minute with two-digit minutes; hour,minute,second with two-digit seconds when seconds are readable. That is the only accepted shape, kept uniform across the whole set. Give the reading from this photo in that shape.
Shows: 8,31
